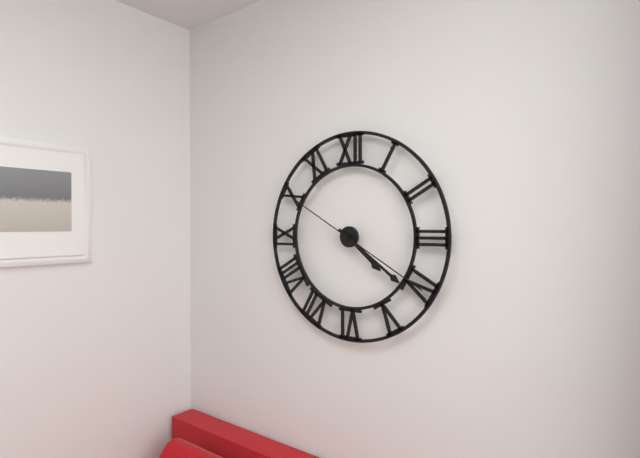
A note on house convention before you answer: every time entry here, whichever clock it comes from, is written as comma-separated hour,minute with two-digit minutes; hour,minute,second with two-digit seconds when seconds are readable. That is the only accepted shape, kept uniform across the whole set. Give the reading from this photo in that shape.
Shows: 4,21,20
